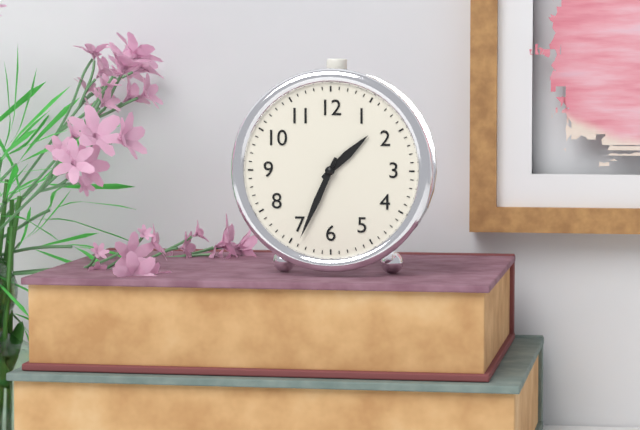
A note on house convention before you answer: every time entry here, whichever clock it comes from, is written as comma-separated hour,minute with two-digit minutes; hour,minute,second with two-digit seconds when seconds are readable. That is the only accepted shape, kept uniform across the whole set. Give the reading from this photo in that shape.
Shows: 1,34
